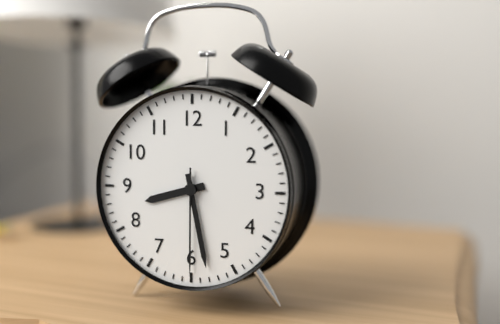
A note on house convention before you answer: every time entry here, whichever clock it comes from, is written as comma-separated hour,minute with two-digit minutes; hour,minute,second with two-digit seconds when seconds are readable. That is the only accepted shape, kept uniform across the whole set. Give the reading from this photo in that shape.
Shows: 8,28,30
